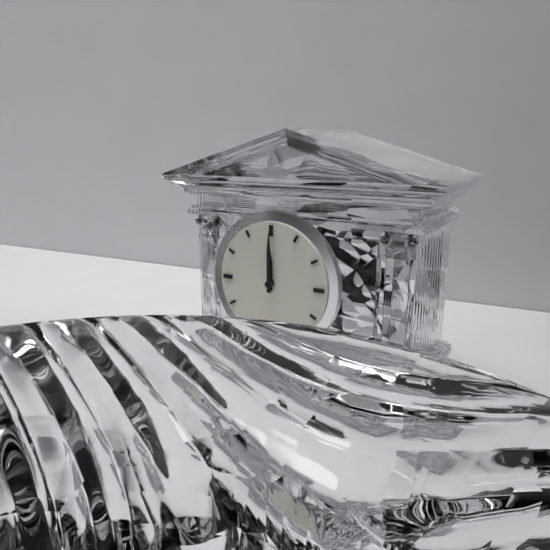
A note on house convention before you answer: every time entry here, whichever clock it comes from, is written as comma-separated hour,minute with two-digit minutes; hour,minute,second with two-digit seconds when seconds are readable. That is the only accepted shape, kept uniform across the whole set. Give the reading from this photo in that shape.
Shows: 12,00
